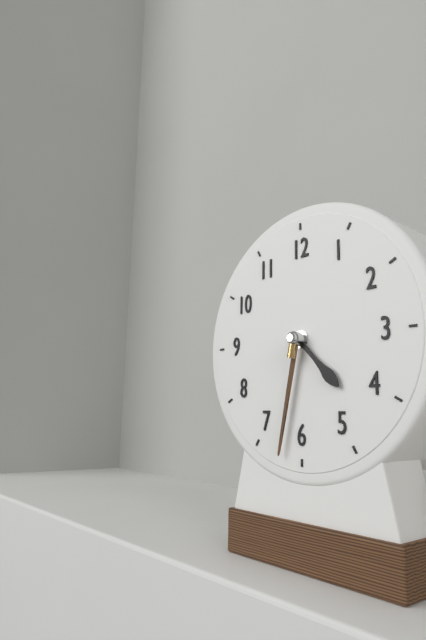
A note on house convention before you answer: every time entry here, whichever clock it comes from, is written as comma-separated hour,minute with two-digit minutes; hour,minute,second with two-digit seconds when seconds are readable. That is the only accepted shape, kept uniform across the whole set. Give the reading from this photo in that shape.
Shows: 4,32
